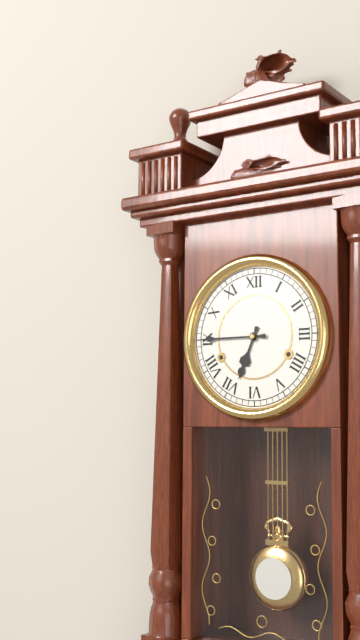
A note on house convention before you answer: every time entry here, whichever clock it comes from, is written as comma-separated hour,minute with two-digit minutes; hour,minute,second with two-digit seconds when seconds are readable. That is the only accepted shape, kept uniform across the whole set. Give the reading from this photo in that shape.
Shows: 6,45
